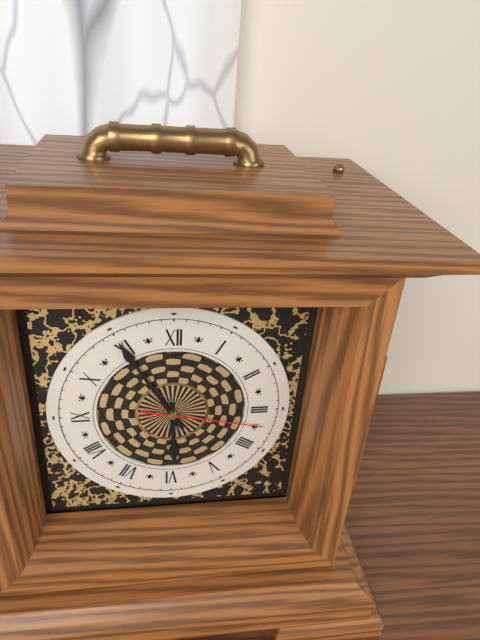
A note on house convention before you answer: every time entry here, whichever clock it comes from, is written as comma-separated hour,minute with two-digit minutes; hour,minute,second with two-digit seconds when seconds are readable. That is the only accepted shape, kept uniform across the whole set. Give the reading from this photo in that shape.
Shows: 5,55,17
